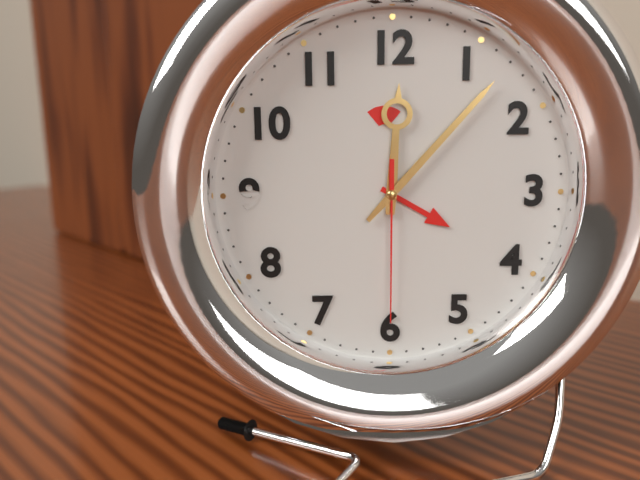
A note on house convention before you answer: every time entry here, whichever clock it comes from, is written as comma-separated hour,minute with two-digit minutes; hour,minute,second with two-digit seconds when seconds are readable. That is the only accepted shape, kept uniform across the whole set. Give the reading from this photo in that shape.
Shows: 12,07,30
